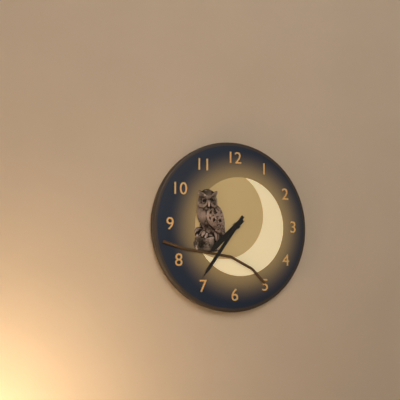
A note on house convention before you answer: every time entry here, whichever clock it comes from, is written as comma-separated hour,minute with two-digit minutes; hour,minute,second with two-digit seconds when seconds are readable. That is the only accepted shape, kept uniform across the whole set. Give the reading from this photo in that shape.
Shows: 7,36
